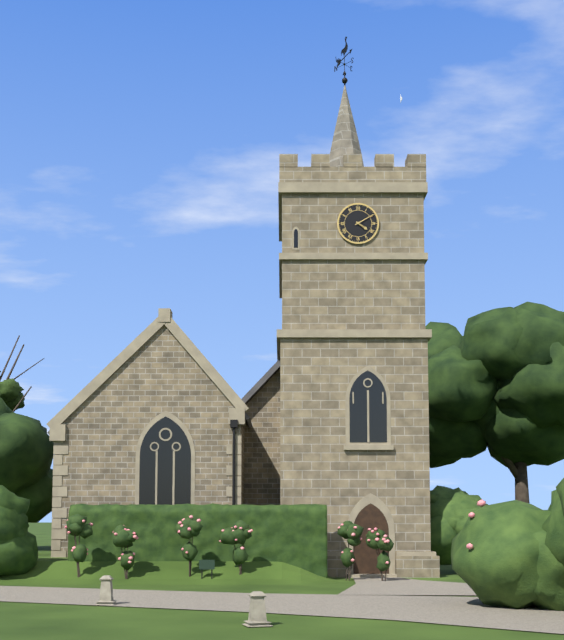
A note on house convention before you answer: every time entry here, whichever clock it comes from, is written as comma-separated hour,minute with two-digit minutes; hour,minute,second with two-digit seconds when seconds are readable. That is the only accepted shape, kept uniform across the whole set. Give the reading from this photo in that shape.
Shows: 4,10
